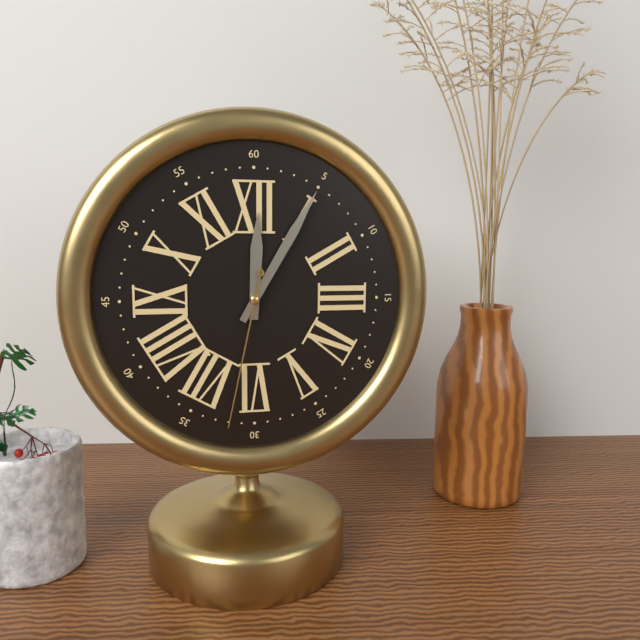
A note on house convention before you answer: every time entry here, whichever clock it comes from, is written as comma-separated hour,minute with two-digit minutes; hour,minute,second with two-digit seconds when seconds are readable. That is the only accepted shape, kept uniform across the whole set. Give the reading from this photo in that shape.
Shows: 12,05,32
